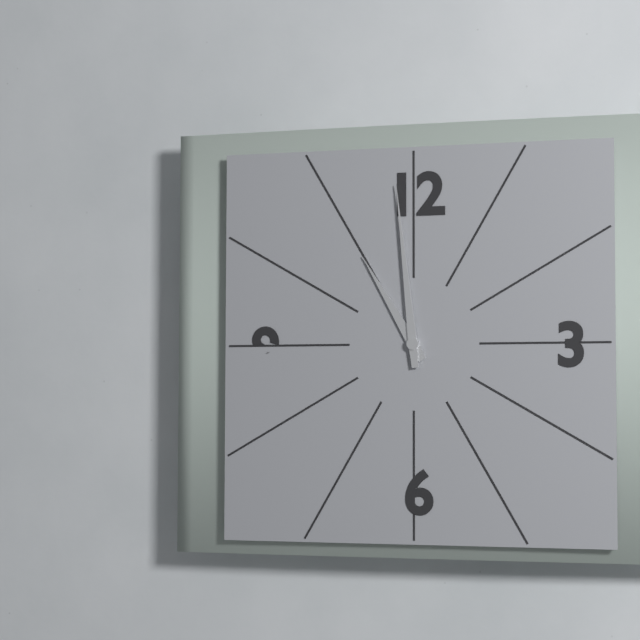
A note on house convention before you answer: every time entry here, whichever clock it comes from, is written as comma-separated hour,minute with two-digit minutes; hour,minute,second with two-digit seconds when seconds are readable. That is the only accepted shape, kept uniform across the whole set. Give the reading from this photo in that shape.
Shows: 10,59
